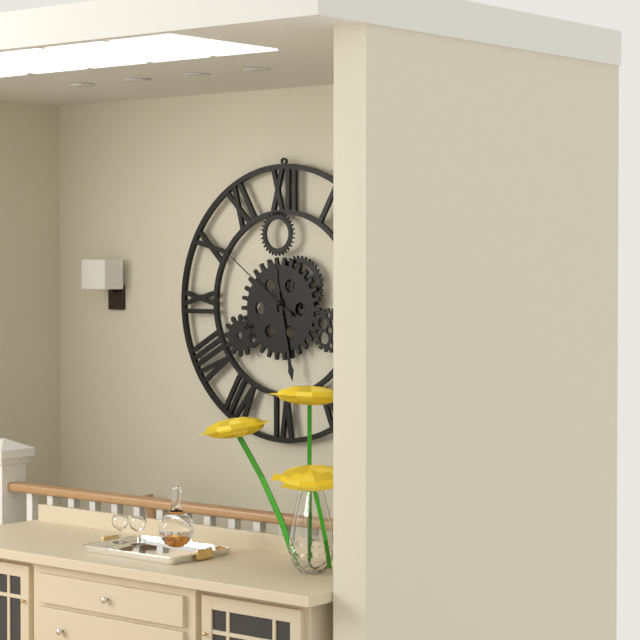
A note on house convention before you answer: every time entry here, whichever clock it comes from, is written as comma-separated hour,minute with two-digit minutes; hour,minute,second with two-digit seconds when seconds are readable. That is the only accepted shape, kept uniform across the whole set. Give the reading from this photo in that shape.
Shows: 11,28,51
